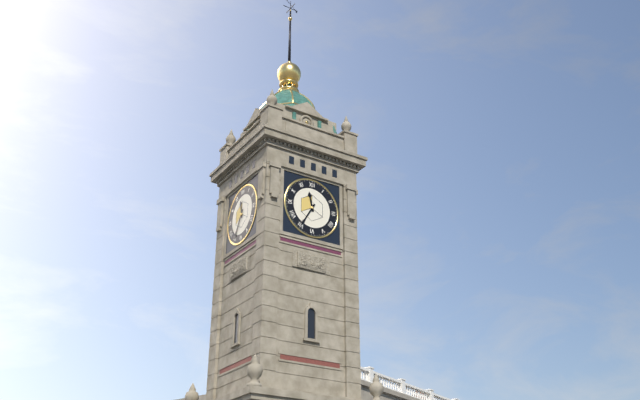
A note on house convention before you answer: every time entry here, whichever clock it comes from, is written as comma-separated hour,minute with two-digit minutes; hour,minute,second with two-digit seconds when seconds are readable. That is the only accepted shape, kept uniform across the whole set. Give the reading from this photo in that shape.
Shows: 11,35
